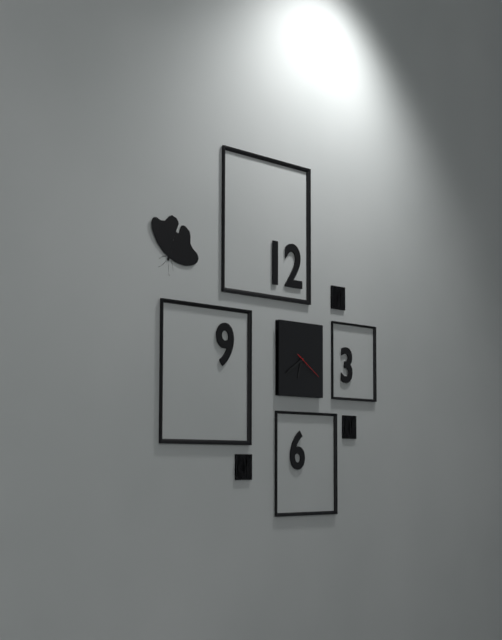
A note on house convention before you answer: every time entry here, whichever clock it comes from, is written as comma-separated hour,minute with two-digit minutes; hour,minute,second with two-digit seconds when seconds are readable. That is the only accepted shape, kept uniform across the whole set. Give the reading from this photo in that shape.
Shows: 6,40
